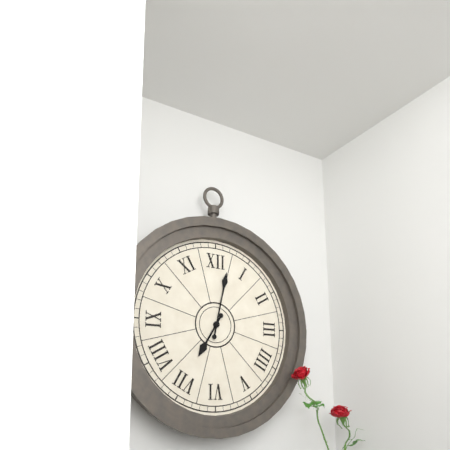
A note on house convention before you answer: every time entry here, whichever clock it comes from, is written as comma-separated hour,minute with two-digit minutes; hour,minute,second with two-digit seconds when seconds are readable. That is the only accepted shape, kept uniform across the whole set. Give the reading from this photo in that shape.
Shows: 7,02
